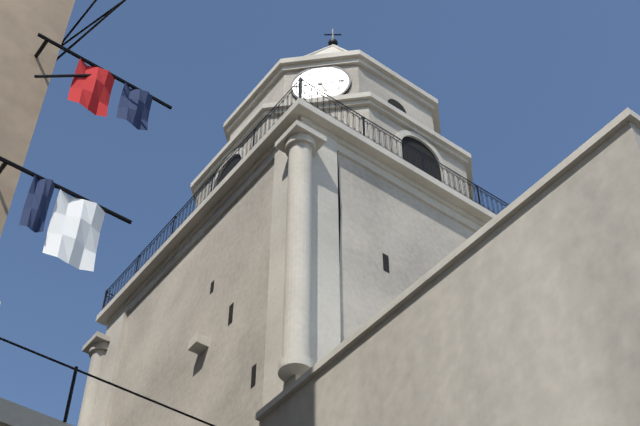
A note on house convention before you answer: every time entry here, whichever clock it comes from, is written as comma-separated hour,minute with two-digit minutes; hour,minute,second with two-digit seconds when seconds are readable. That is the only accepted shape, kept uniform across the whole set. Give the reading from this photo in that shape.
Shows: 5,14
